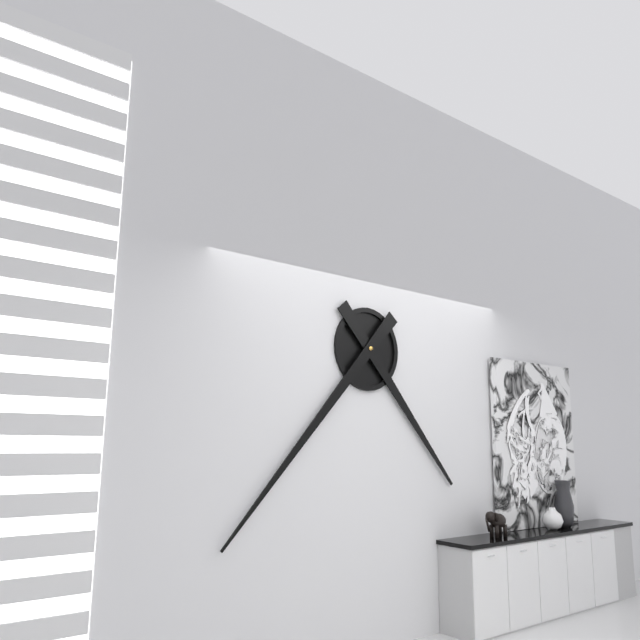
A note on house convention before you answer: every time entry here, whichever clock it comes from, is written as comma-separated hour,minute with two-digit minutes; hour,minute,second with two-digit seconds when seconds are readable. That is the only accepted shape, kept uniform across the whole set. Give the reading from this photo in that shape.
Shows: 4,37
